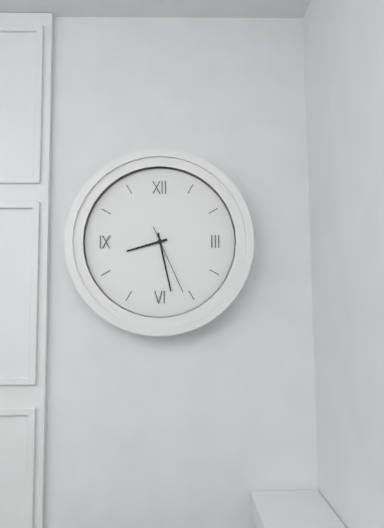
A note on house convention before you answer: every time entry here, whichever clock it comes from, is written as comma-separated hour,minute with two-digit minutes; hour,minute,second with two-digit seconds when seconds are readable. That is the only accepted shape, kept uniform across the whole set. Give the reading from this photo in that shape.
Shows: 8,28,26
